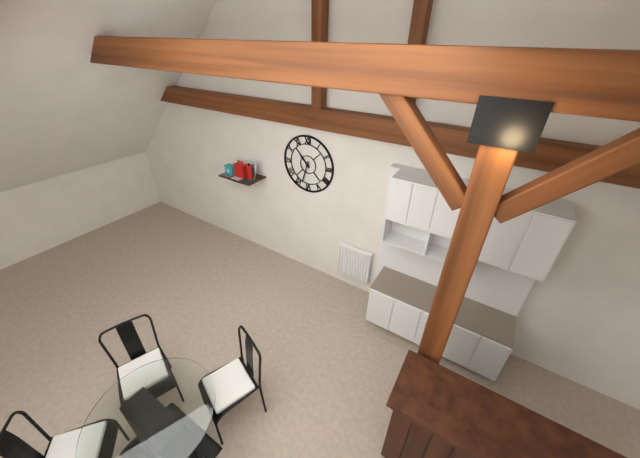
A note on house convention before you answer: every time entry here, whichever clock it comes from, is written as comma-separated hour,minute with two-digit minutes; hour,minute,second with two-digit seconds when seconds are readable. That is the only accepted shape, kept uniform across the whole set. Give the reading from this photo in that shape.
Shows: 10,33
